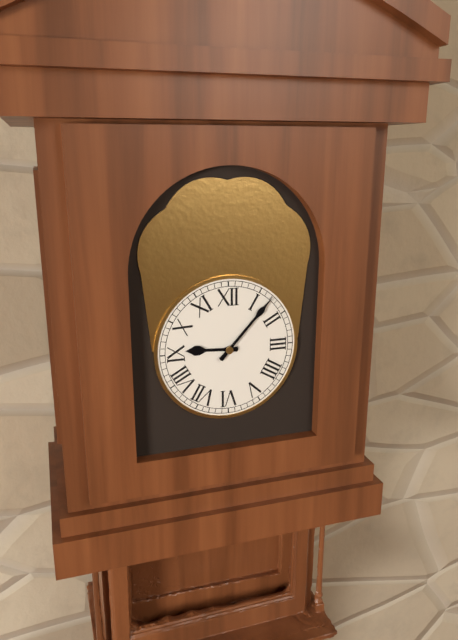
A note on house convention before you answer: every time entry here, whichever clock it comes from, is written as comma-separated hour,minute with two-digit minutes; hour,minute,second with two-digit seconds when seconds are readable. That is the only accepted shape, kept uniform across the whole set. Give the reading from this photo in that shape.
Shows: 9,07
